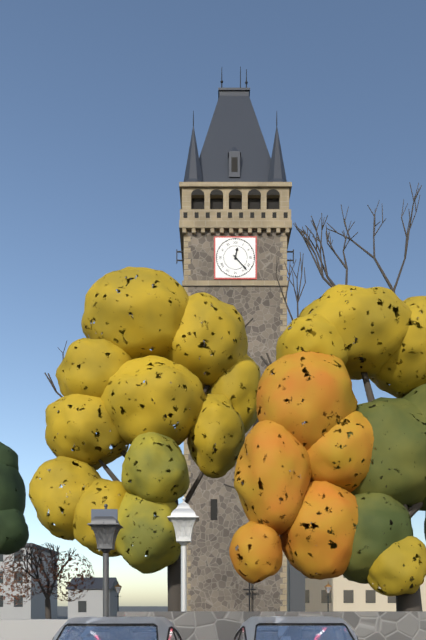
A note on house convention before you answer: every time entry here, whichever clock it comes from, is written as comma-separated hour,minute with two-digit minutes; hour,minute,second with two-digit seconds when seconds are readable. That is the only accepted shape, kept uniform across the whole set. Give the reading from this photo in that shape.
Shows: 12,23
